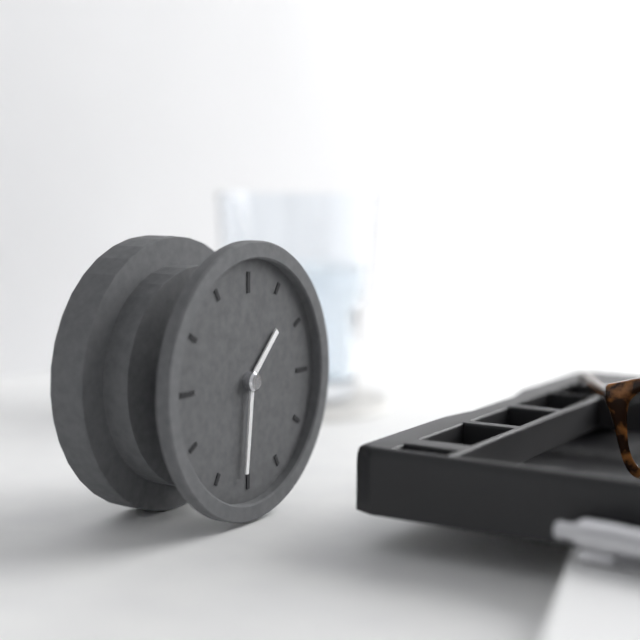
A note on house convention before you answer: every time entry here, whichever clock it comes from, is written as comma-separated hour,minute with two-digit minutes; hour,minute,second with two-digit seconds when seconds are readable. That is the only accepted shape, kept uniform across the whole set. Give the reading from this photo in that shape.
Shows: 1,31
